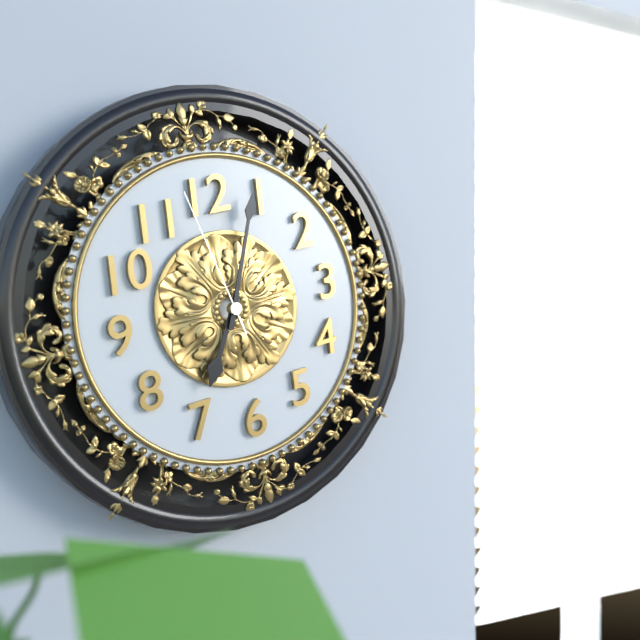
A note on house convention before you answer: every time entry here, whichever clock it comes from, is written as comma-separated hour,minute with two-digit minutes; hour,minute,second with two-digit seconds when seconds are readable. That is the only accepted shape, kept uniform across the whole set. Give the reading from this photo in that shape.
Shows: 7,04,58
